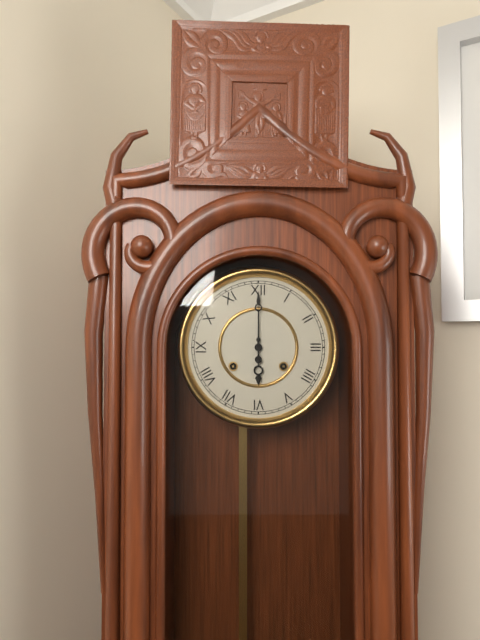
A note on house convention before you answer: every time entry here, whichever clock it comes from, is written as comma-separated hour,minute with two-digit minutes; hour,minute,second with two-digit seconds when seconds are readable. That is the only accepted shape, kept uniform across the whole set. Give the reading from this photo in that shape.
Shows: 6,00
